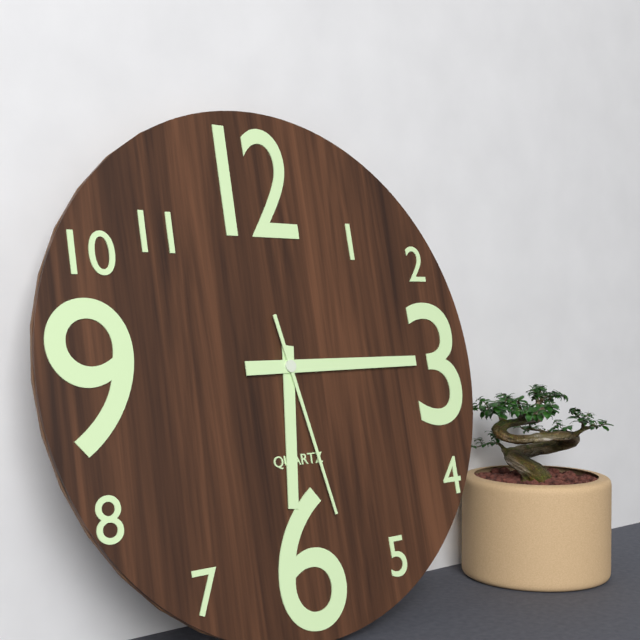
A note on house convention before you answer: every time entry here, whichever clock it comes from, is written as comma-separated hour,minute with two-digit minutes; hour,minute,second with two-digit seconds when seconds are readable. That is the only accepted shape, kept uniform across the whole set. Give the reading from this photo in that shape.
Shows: 6,15,28
